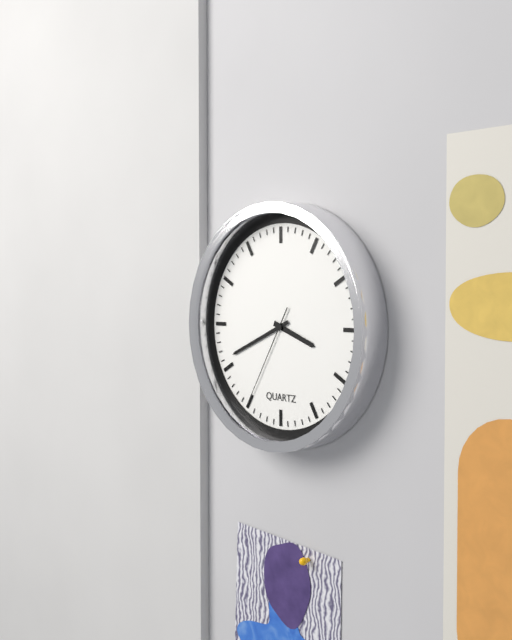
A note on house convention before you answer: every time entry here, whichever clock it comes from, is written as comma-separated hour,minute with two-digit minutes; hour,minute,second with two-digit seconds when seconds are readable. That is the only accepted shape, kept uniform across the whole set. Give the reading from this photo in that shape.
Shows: 3,41,35
